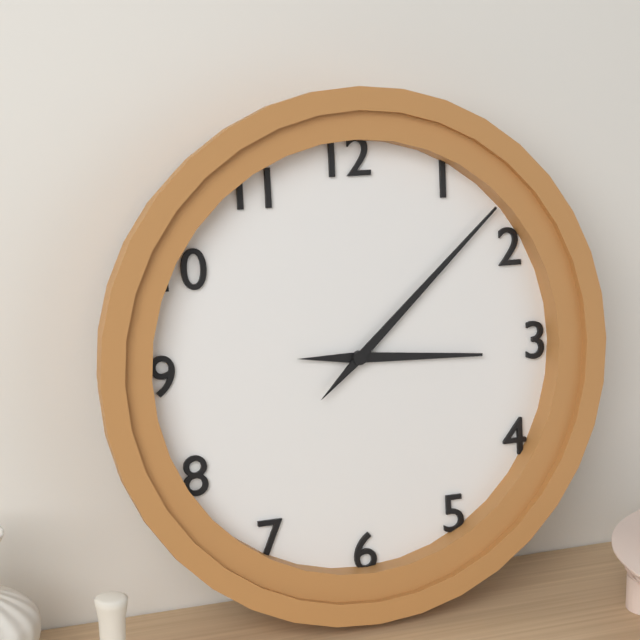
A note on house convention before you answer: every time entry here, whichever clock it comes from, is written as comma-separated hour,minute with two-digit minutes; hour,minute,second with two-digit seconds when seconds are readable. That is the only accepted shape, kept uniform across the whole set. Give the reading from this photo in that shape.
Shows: 3,08
